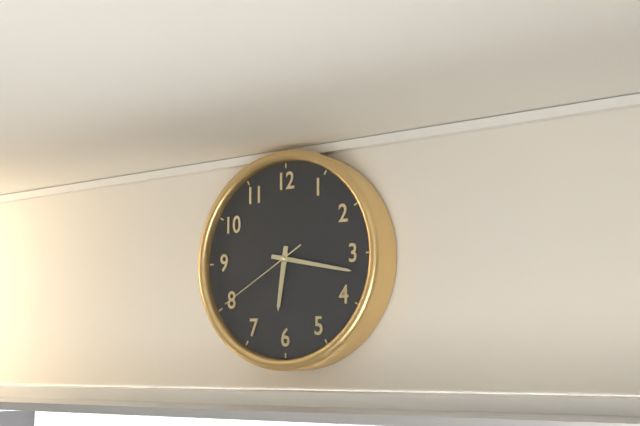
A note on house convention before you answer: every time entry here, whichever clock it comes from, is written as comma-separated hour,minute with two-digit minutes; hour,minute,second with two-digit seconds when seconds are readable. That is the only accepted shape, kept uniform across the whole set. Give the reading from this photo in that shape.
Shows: 6,17,40
